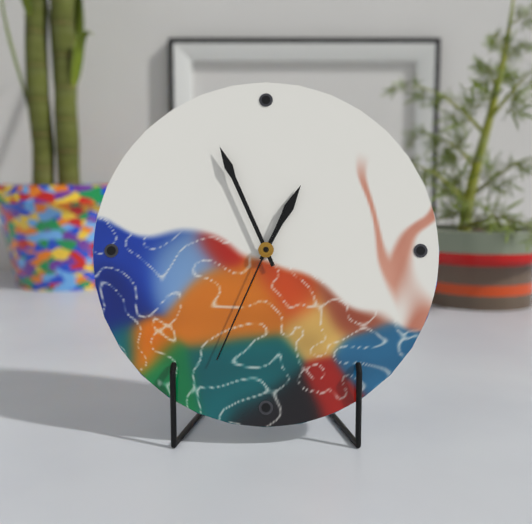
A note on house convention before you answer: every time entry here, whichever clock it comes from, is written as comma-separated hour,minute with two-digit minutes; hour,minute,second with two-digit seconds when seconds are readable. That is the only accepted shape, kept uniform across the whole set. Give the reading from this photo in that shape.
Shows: 12,56,34
